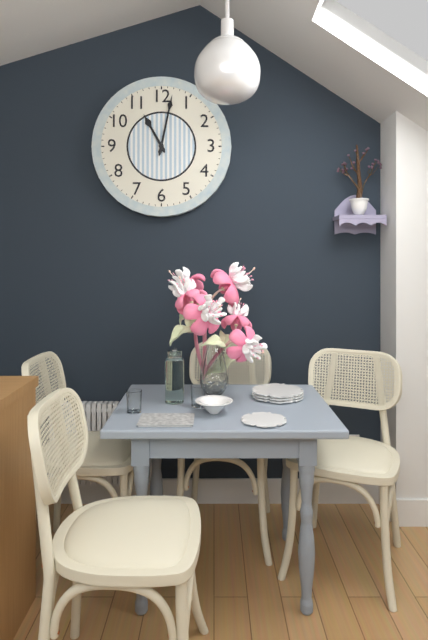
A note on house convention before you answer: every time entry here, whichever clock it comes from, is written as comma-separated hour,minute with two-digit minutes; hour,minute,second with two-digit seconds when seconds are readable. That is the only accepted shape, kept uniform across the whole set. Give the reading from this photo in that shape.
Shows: 11,02
